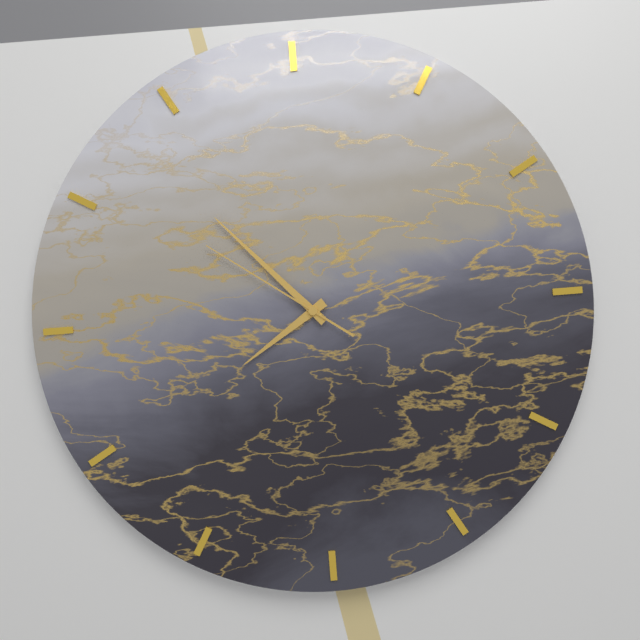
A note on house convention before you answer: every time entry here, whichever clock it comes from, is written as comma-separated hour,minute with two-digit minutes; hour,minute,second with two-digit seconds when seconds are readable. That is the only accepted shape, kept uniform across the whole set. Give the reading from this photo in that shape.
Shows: 7,53,51
